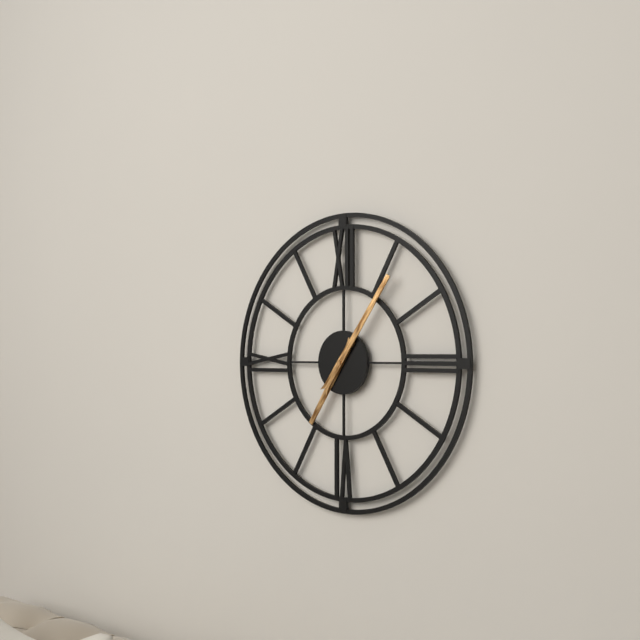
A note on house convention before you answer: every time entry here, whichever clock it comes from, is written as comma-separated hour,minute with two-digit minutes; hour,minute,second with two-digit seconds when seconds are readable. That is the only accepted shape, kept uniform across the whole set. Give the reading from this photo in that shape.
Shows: 7,06
